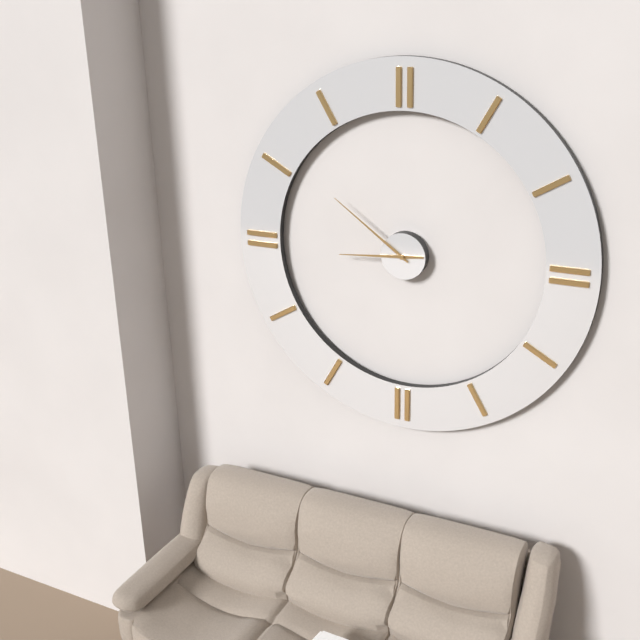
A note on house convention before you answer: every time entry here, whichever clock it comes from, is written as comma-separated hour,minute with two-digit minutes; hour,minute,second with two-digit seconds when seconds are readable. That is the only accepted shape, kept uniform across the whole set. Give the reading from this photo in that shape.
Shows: 8,51
